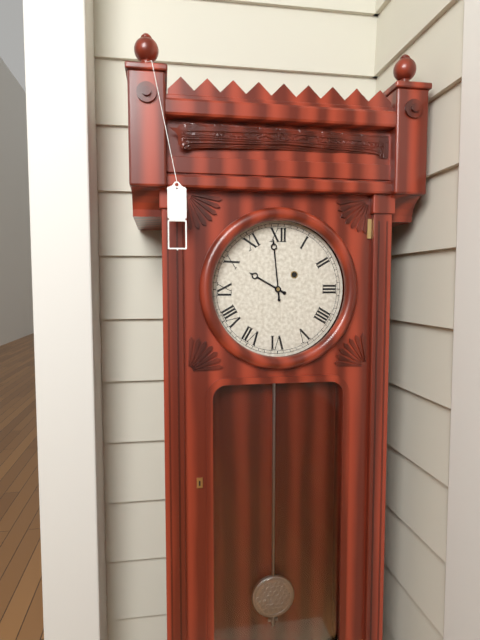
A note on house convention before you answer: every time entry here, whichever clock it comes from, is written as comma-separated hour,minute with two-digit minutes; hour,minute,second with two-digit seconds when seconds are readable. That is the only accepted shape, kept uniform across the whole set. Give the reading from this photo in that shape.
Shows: 9,59
